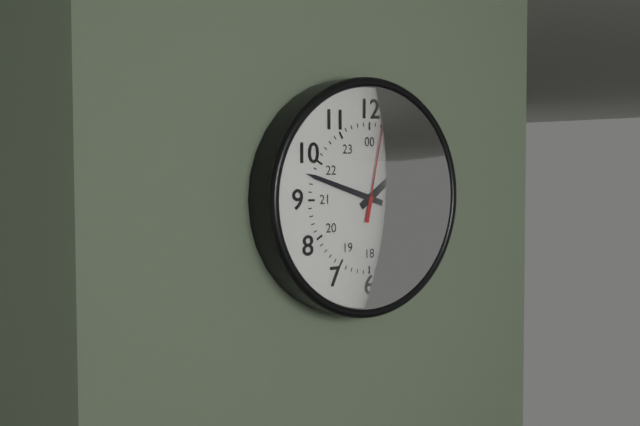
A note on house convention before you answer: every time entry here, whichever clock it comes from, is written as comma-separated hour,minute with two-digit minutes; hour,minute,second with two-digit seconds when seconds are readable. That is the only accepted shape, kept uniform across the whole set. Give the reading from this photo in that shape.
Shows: 1,48,02
